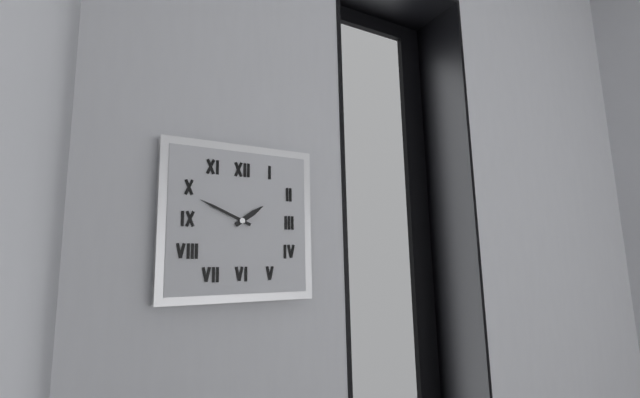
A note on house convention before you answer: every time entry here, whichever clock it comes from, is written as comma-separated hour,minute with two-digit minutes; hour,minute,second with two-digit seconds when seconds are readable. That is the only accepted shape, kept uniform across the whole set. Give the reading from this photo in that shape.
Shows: 1,49
